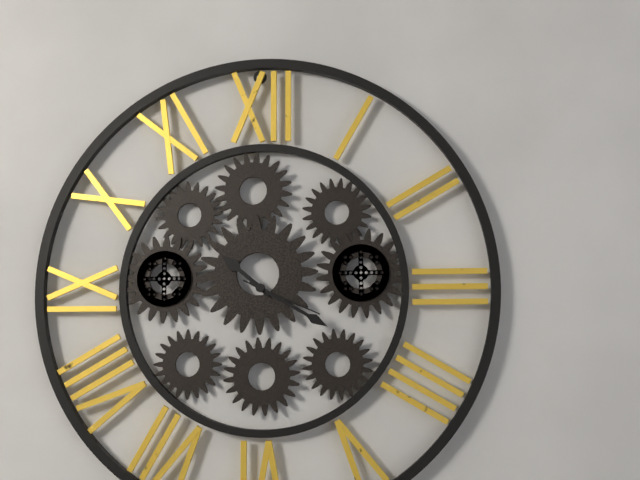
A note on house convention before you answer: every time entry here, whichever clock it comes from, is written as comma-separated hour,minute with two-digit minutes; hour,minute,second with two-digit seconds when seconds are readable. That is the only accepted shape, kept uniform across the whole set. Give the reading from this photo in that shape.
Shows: 10,20,19
